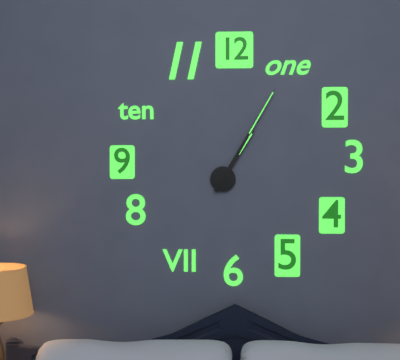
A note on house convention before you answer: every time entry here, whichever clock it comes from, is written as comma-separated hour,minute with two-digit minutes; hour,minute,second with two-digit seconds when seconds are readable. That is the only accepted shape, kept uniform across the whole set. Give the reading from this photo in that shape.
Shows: 1,05
